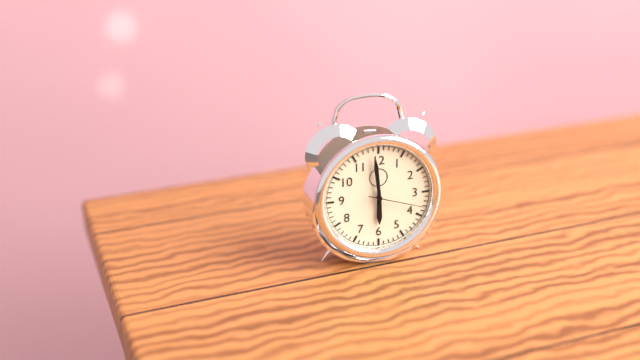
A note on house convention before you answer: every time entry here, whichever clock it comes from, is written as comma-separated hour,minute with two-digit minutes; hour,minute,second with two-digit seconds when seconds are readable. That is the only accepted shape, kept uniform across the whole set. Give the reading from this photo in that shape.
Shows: 5,59,18
